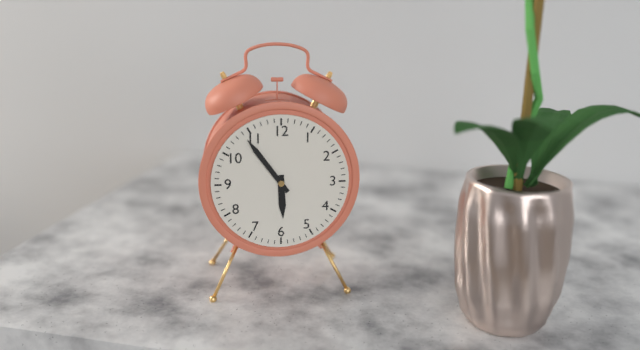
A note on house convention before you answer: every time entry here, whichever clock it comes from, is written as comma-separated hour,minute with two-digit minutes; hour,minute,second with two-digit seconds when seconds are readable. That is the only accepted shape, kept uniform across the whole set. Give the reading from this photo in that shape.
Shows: 5,54
